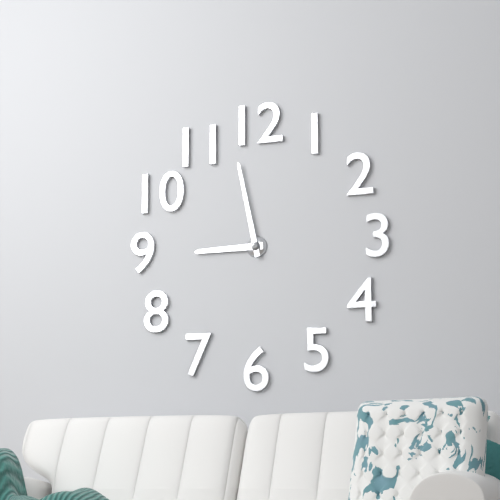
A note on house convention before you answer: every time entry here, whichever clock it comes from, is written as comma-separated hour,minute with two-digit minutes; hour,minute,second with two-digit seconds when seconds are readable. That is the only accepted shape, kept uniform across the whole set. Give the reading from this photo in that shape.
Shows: 8,58
